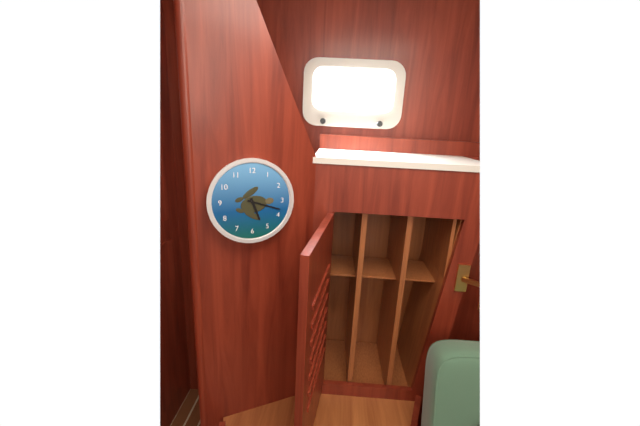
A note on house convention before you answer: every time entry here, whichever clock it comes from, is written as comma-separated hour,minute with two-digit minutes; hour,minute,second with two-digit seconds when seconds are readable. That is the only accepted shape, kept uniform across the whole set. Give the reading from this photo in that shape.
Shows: 5,18
